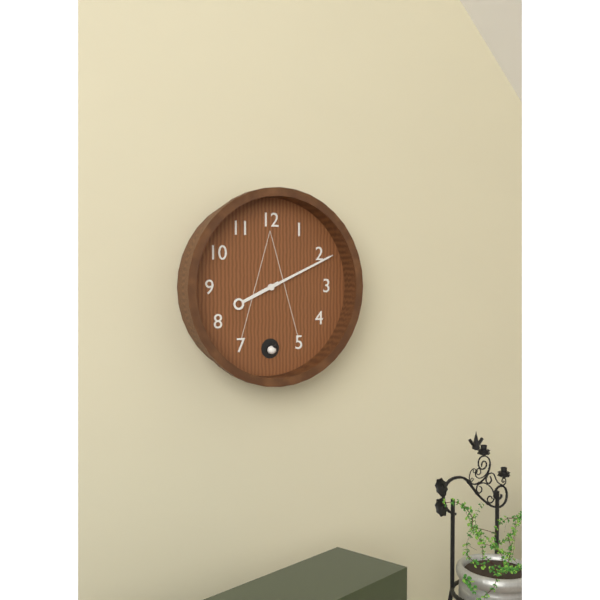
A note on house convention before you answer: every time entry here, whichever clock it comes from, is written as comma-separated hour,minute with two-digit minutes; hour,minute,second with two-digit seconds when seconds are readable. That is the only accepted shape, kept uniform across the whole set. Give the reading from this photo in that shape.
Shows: 8,11
